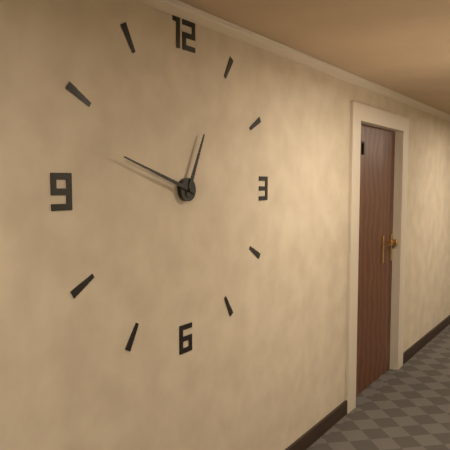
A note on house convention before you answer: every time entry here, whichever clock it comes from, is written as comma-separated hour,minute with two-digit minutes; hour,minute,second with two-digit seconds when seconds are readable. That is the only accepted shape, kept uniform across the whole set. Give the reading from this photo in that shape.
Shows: 12,48
